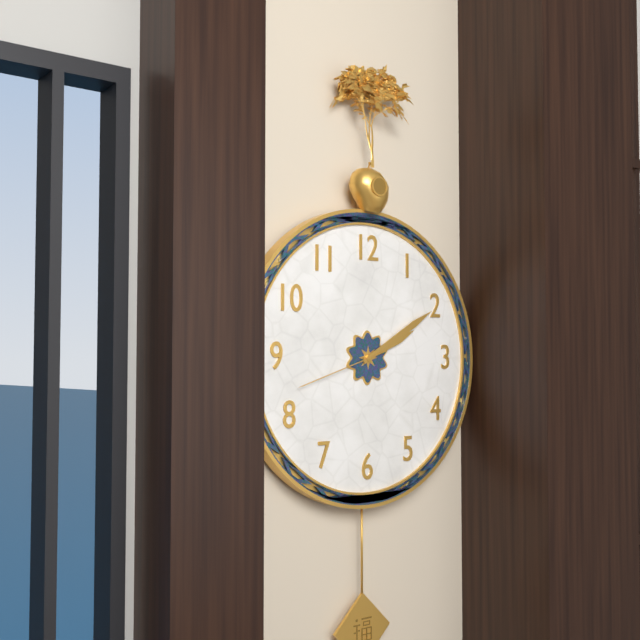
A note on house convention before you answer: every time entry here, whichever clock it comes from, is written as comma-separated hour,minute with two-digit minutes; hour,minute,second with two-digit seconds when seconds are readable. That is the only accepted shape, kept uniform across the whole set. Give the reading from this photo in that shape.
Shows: 2,10,42
